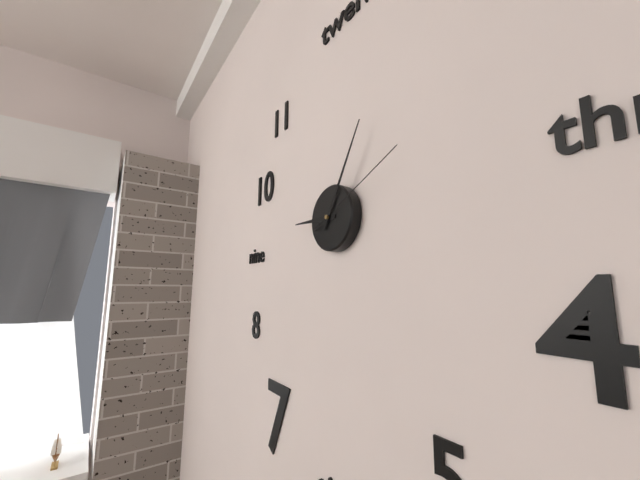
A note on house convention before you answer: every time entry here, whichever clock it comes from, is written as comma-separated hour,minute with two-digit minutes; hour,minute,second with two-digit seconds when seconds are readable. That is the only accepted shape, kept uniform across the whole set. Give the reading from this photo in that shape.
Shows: 9,05,11
